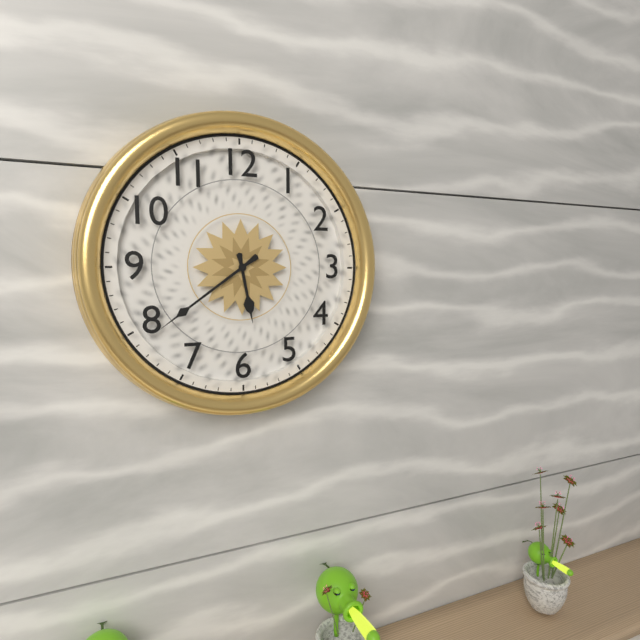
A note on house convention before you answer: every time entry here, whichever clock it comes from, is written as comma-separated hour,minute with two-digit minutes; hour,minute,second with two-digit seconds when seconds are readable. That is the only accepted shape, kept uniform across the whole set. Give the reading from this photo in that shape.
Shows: 5,39
